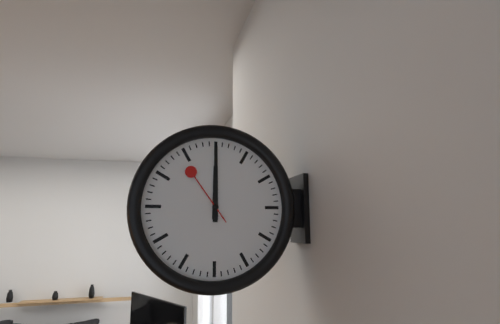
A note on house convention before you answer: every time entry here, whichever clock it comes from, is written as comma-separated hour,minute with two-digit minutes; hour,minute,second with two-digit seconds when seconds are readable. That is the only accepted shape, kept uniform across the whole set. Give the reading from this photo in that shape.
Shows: 12,00,54
